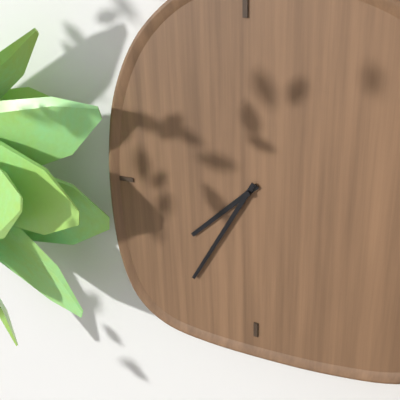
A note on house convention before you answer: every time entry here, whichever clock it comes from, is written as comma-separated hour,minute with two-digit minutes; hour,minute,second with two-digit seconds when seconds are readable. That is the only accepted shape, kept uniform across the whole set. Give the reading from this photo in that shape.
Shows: 7,35
